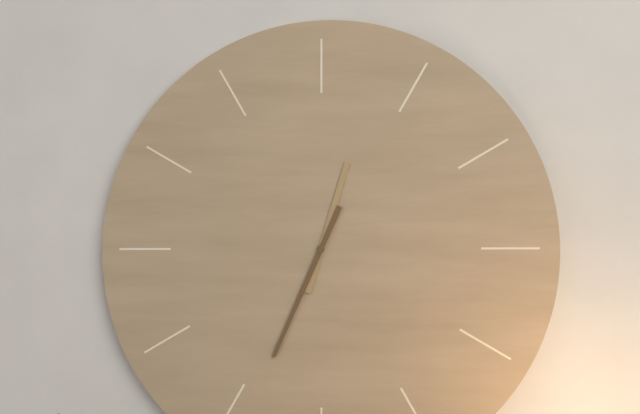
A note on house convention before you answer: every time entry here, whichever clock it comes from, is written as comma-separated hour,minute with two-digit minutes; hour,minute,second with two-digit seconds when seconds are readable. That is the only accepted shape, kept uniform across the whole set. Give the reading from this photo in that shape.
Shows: 12,34
